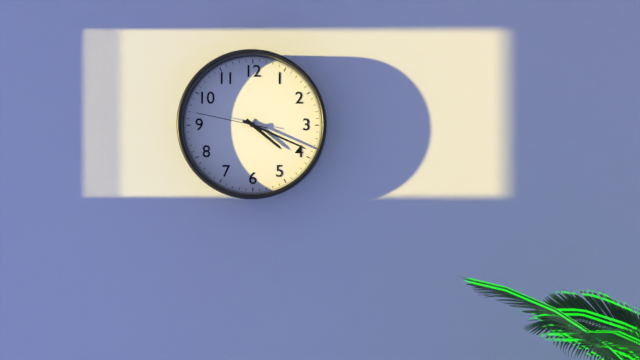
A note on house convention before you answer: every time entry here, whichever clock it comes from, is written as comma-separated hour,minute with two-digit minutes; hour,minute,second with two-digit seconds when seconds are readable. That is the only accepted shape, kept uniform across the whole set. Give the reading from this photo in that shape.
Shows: 4,19,47
